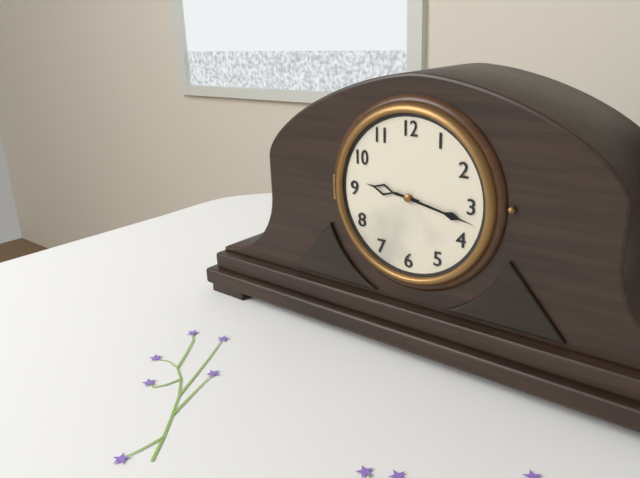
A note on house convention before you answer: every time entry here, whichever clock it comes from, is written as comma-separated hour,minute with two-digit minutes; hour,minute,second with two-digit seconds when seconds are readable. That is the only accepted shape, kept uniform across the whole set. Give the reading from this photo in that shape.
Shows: 9,17
